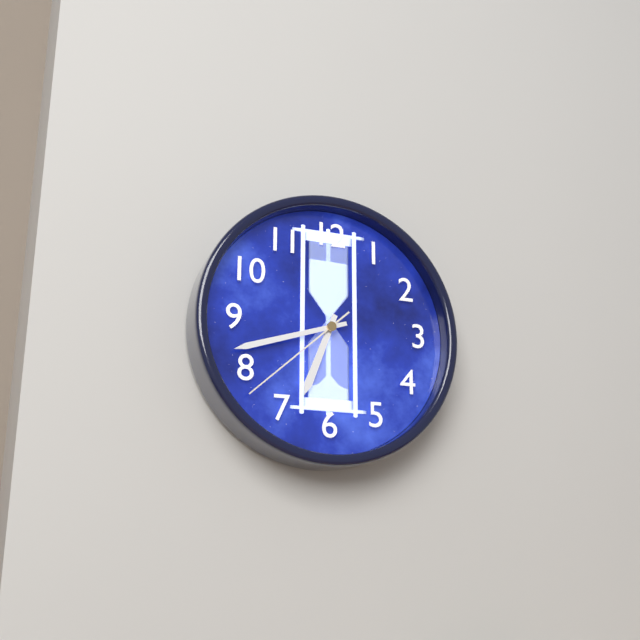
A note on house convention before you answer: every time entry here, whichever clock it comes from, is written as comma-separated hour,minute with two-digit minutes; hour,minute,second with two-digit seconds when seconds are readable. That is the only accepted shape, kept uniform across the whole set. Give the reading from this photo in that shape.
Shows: 6,42,38
